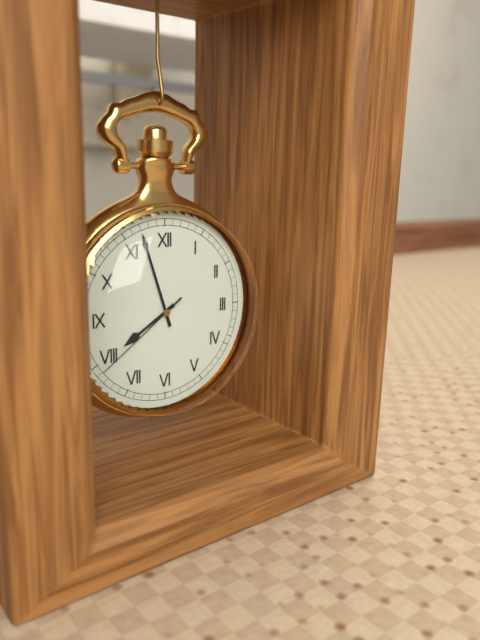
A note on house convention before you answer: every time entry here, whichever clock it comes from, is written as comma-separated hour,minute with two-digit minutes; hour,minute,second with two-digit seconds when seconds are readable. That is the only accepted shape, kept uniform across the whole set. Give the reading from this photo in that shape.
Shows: 7,57,39
